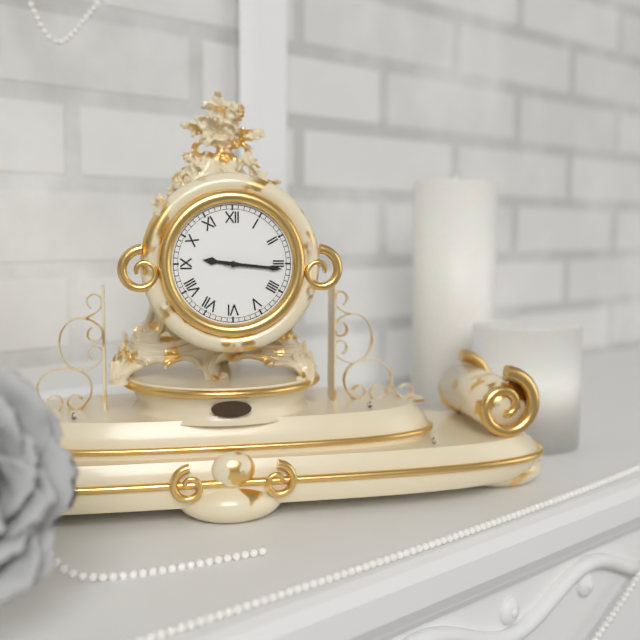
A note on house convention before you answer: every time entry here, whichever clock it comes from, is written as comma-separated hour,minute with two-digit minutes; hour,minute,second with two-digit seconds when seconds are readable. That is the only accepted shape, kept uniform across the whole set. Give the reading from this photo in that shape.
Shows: 9,16
